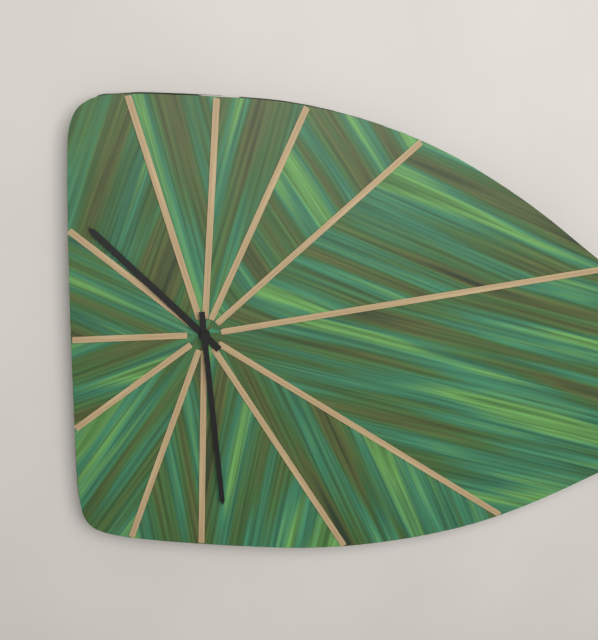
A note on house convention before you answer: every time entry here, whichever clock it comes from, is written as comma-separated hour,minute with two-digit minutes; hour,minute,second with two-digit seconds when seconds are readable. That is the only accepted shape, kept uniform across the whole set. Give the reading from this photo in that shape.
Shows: 10,29
